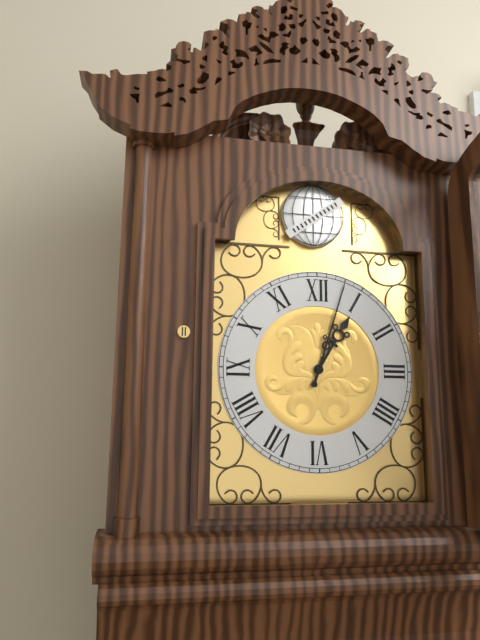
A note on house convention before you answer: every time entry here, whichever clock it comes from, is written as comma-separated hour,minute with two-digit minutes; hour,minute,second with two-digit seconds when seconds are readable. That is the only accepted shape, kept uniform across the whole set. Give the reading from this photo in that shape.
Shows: 1,03
